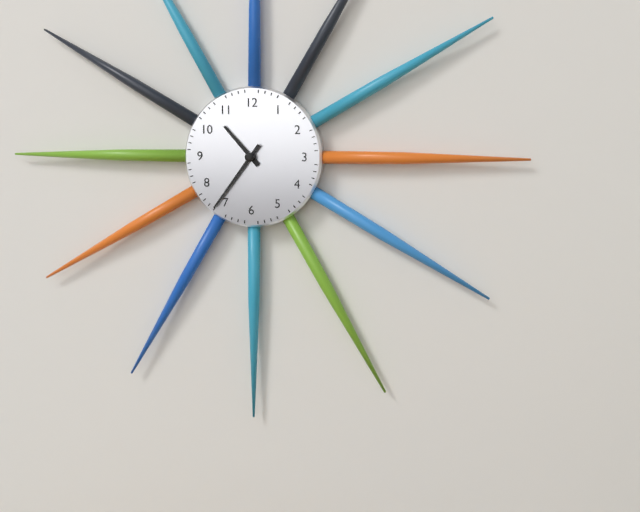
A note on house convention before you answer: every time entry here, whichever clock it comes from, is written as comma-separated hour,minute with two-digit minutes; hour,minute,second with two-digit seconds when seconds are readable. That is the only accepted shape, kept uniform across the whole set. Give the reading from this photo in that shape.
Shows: 10,36
